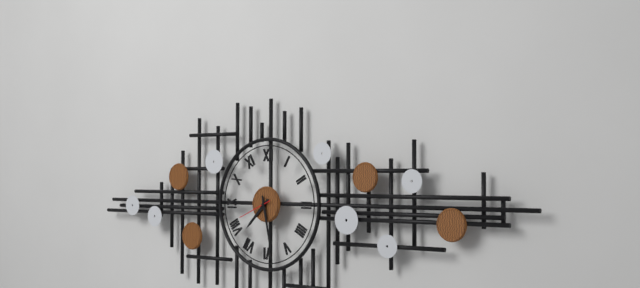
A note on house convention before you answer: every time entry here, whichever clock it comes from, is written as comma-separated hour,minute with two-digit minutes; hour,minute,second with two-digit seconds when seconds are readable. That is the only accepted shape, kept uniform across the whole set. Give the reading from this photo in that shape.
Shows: 7,28
